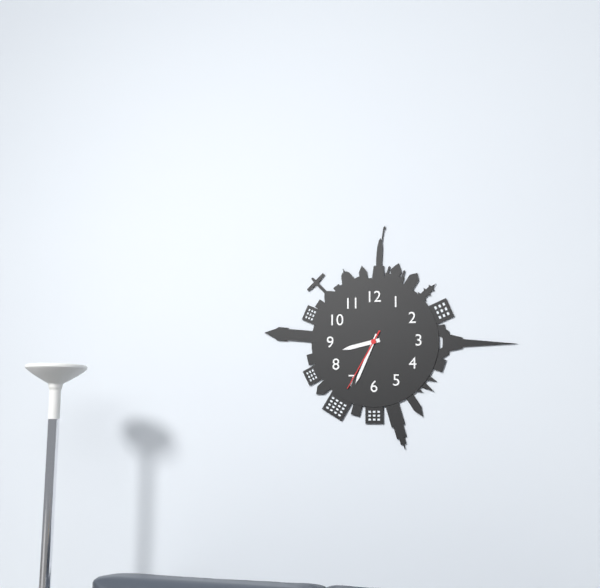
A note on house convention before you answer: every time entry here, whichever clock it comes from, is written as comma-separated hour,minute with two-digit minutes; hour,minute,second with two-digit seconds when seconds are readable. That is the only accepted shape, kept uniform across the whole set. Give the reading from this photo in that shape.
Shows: 8,34,35
